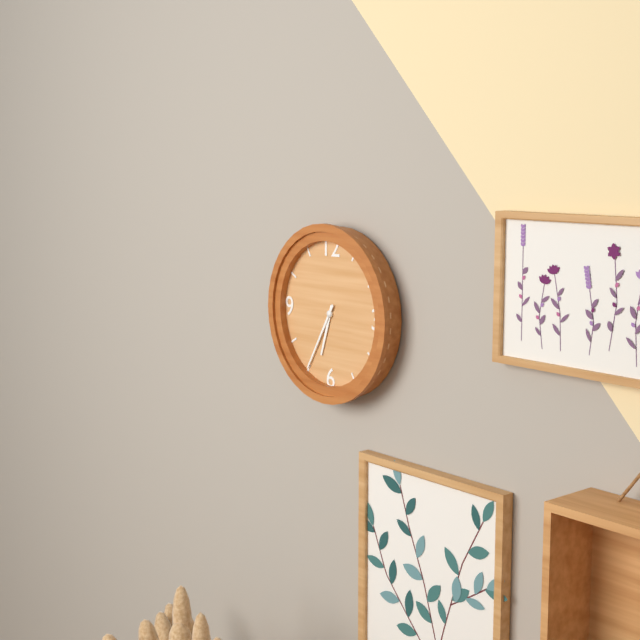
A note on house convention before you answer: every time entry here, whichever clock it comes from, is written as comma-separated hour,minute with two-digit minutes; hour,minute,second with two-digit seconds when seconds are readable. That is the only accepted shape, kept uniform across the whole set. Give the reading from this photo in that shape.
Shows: 6,35
